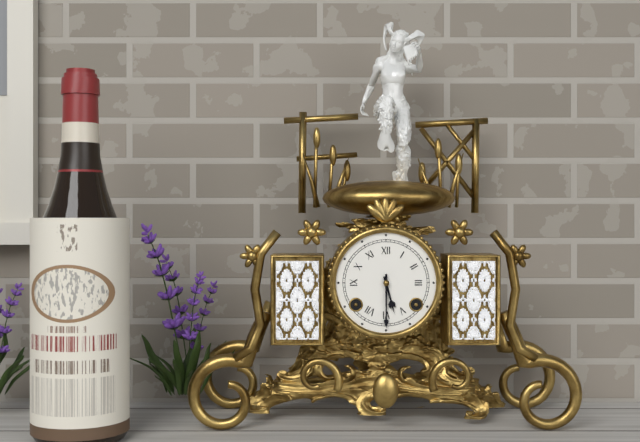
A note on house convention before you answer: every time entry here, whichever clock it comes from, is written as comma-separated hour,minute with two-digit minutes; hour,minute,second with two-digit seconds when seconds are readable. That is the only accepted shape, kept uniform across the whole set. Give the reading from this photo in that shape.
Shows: 5,30
